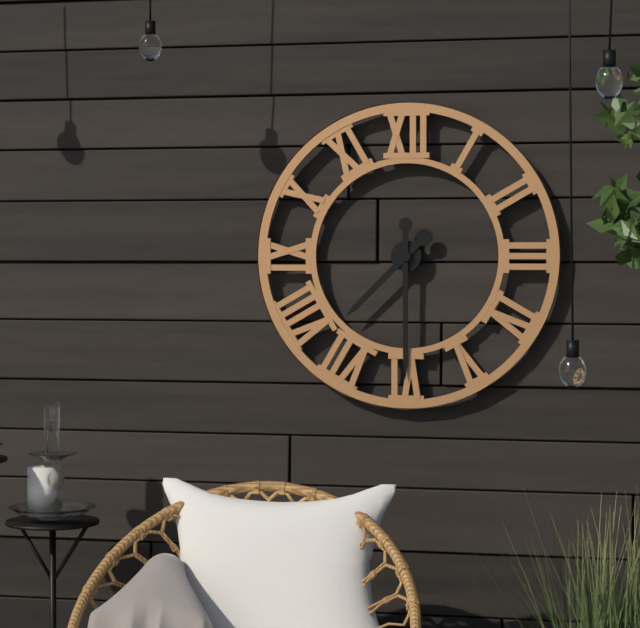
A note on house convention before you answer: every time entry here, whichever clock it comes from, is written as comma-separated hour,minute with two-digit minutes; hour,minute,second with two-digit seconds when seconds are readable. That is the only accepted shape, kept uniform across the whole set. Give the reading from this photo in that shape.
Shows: 7,30
